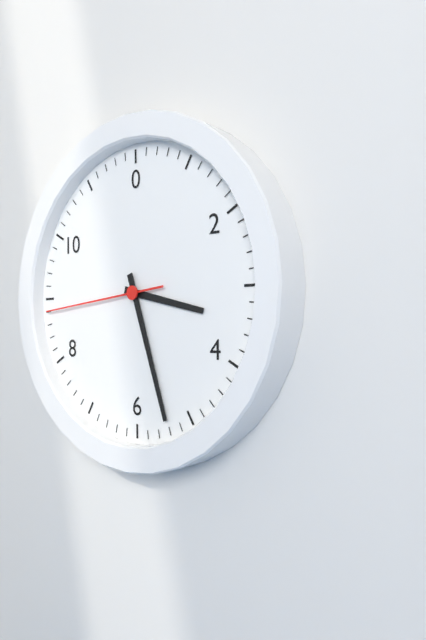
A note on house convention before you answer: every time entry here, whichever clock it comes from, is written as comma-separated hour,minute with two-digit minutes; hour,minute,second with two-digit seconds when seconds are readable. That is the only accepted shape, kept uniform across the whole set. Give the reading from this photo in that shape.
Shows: 3,27,44
